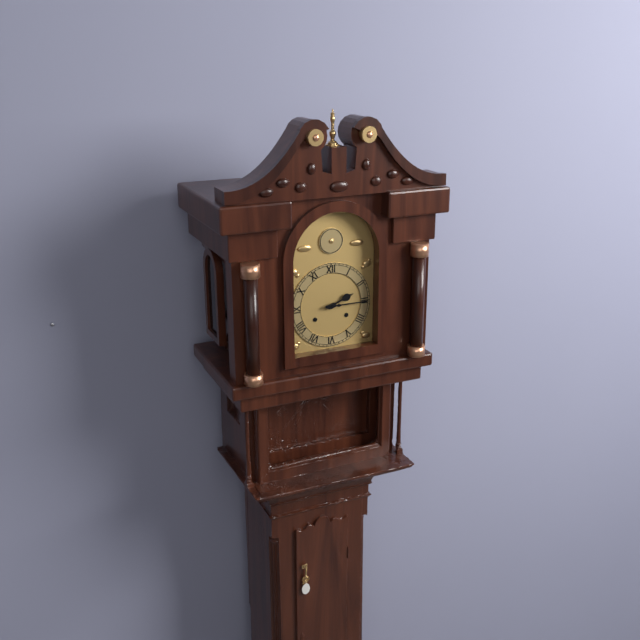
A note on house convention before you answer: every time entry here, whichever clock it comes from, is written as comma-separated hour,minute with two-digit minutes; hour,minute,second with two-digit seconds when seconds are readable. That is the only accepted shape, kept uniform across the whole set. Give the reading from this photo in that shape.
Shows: 2,15
